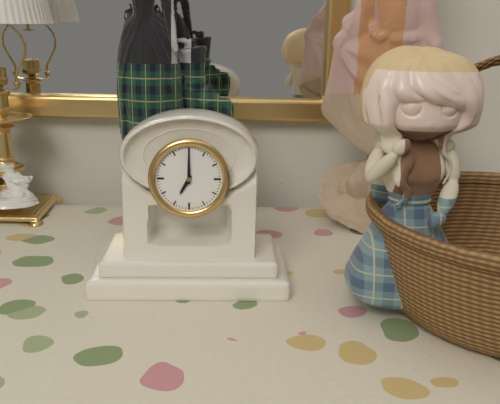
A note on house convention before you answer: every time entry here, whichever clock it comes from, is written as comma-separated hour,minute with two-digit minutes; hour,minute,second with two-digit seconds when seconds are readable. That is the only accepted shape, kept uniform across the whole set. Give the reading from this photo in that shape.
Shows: 7,00
